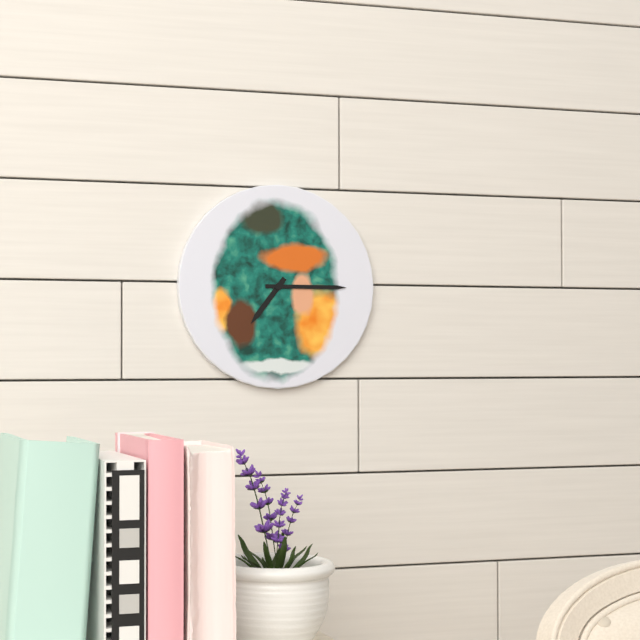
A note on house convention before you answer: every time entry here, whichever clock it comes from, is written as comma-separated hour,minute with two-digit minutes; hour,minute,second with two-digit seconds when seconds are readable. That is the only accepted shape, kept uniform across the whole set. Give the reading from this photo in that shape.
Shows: 7,15
